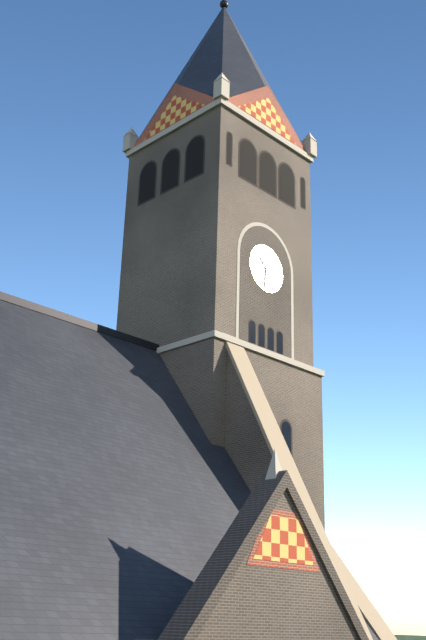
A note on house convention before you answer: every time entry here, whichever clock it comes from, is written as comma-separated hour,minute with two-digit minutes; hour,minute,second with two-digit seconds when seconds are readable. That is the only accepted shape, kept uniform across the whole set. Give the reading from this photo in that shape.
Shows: 10,31
